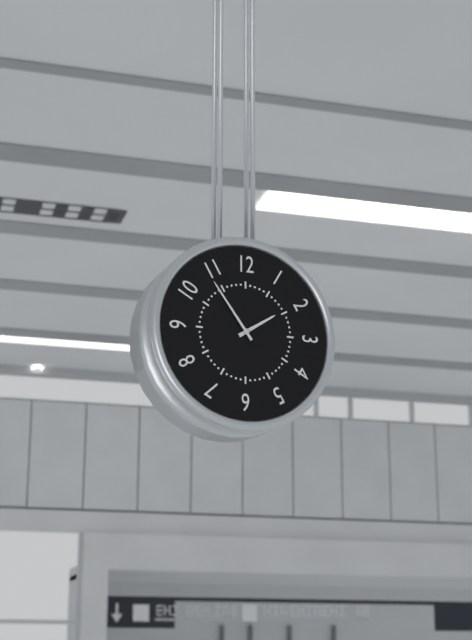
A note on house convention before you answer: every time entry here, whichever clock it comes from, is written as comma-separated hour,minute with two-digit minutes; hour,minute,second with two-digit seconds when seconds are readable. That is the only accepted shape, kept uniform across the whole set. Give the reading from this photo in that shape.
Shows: 1,54
